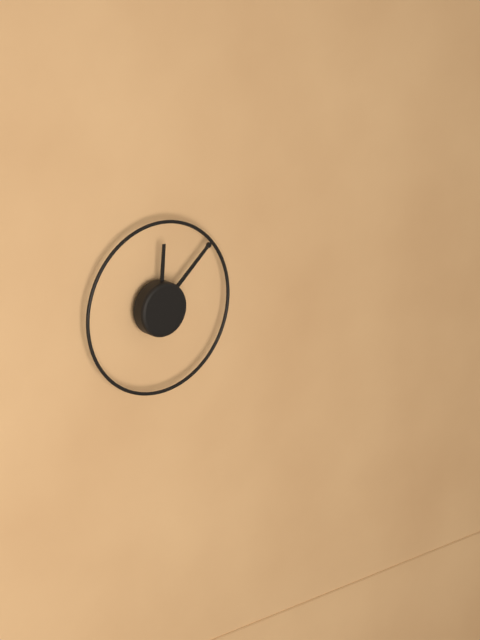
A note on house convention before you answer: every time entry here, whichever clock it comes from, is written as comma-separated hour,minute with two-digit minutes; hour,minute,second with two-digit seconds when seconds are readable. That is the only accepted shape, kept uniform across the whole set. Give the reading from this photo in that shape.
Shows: 12,08
